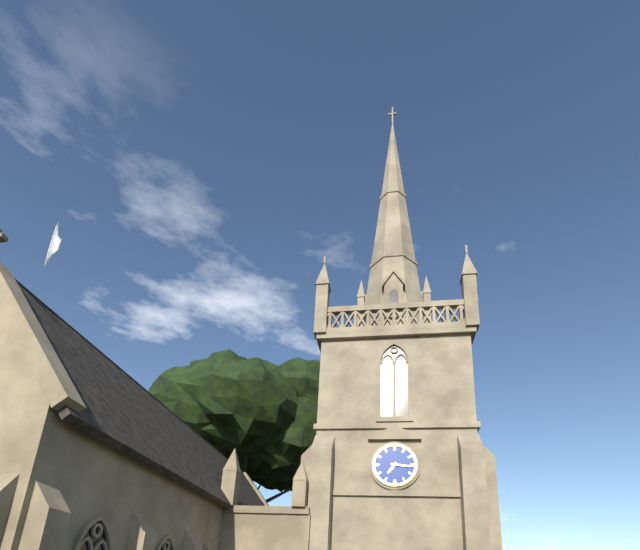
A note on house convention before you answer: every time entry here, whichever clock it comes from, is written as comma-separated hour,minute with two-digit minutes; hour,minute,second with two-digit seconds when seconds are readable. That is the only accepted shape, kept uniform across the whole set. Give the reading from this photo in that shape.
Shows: 7,16
